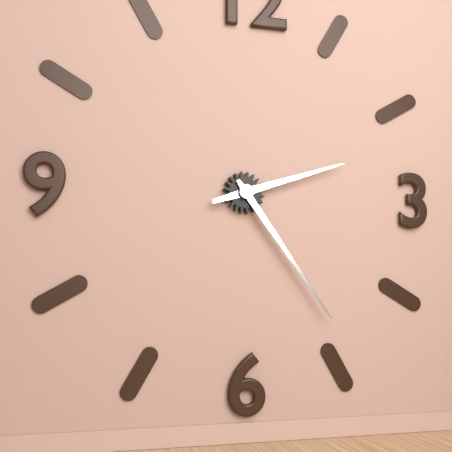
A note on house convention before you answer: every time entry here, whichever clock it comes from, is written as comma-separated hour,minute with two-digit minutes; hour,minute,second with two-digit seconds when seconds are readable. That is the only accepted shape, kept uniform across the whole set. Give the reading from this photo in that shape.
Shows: 2,24
